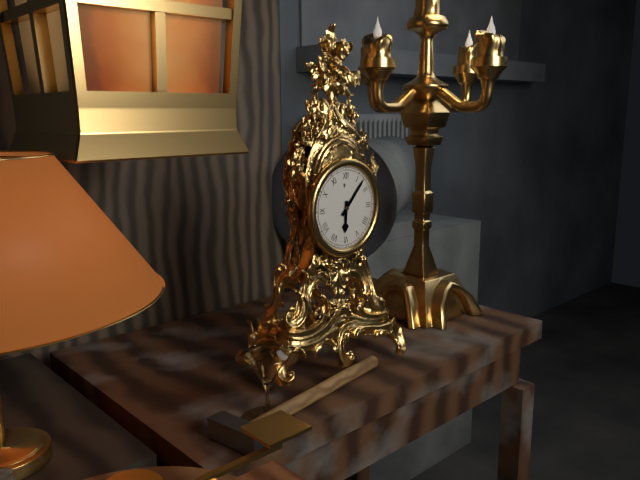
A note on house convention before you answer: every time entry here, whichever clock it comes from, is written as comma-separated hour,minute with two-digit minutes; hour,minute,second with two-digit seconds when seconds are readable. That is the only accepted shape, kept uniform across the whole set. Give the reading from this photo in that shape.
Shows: 6,07
